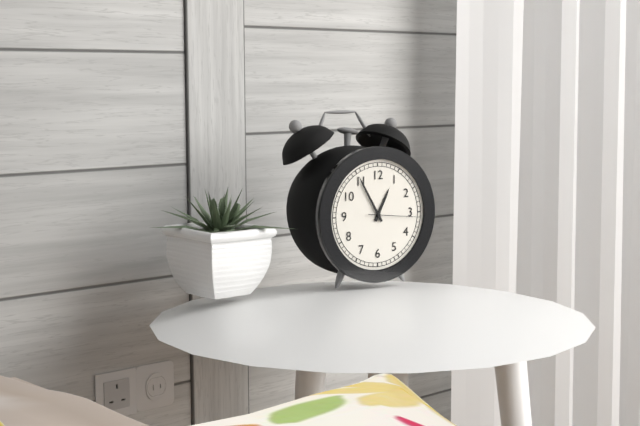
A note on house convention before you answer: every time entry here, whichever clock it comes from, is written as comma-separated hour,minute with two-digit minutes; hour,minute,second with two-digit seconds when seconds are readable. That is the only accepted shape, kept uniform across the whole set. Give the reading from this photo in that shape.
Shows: 12,55,16
